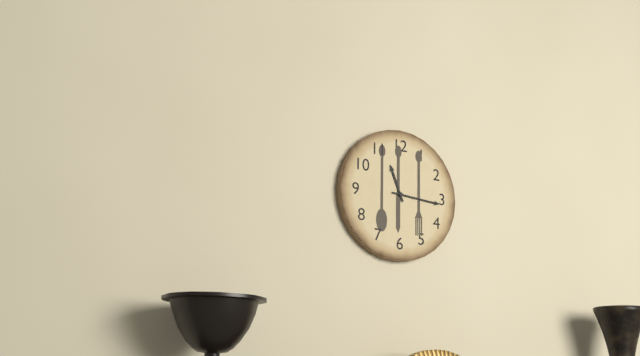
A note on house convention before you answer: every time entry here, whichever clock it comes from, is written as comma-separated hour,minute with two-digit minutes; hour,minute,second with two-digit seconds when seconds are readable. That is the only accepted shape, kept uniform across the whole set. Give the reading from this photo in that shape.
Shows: 11,16
